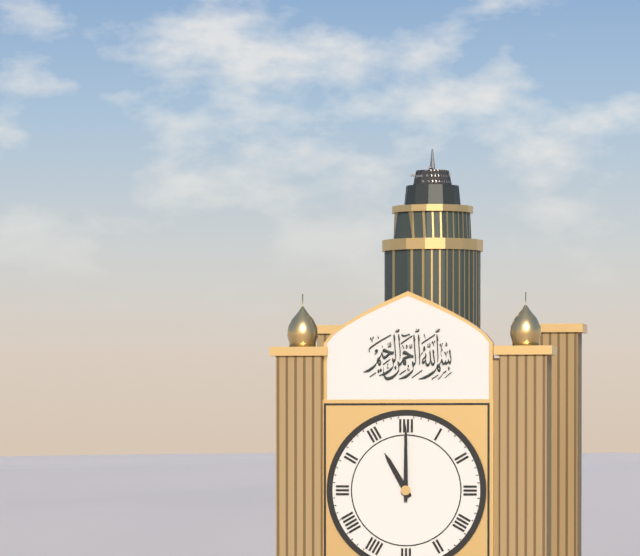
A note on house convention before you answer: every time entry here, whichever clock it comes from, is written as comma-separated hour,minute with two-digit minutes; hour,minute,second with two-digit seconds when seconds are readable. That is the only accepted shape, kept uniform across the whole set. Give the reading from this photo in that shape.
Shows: 11,00
